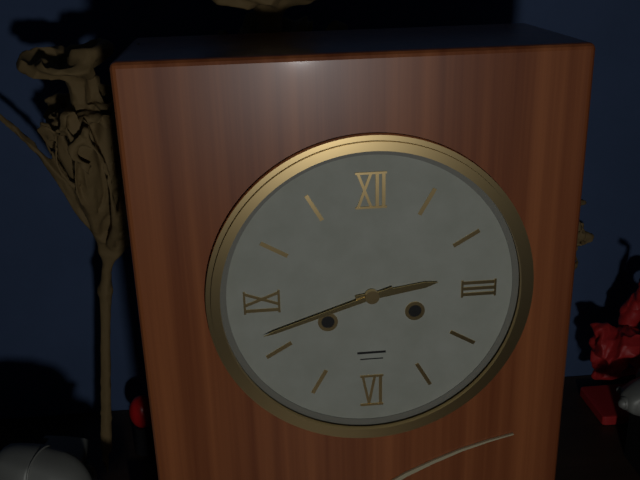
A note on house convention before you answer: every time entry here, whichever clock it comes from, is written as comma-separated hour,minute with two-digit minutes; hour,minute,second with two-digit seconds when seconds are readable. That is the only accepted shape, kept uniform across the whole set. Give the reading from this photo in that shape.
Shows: 2,42
